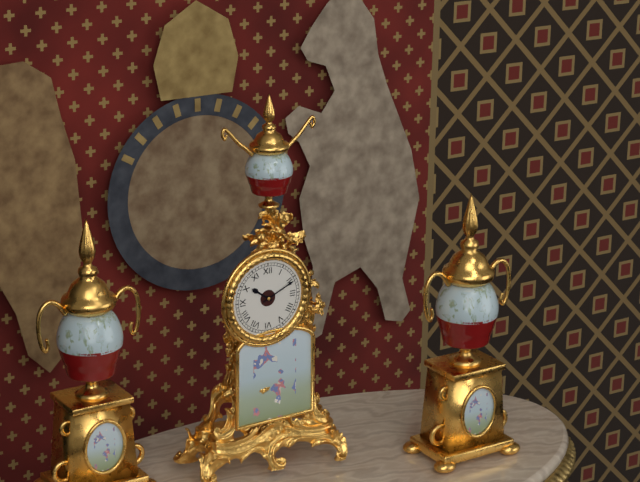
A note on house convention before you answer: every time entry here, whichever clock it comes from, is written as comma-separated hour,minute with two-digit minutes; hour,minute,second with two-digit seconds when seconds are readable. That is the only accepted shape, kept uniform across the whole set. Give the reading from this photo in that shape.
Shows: 10,11
